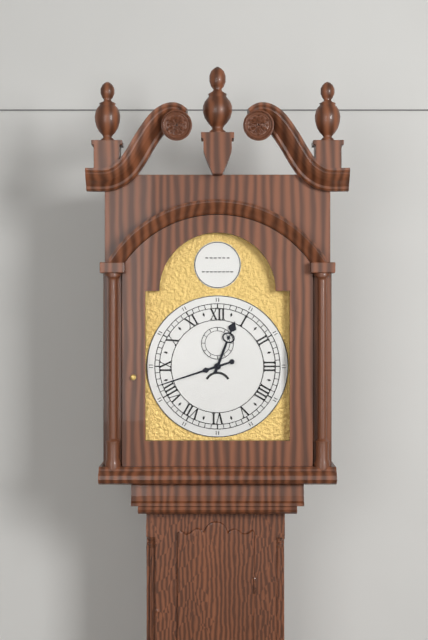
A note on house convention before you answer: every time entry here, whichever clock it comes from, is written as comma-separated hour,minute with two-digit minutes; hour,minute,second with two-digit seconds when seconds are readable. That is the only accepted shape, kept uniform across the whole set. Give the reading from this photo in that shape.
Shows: 12,42
